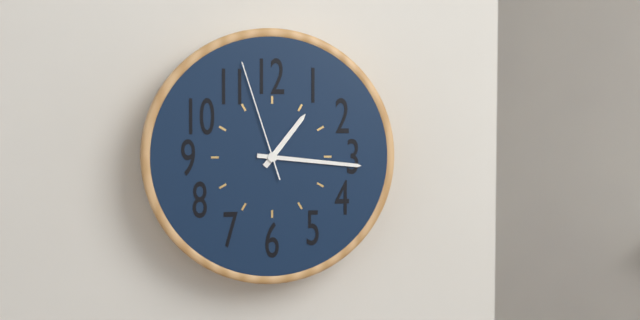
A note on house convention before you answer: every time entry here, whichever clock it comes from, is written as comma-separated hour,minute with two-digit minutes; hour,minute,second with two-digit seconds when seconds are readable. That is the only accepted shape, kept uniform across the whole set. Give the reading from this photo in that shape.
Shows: 1,16,57
